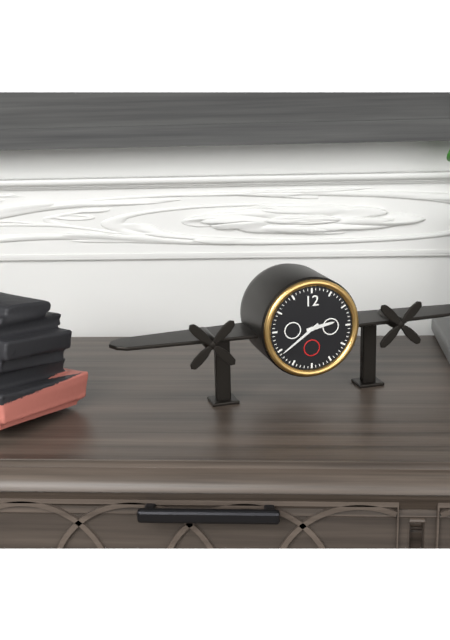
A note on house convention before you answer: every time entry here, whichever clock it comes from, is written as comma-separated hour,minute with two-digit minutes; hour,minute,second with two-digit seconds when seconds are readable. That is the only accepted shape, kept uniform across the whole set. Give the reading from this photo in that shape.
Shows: 2,39
